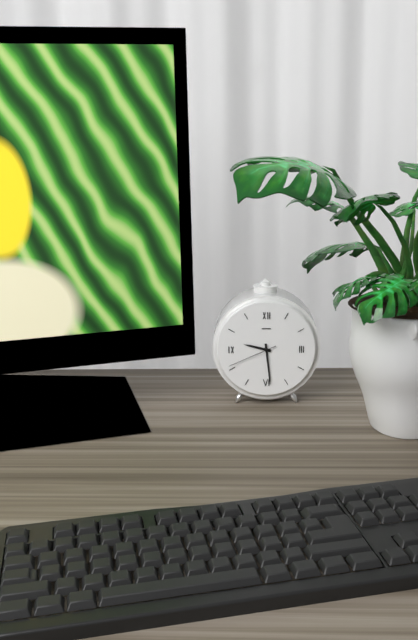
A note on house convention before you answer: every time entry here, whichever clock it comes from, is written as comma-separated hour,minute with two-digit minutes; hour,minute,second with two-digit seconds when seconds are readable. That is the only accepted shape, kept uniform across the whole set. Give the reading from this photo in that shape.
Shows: 9,29,41
